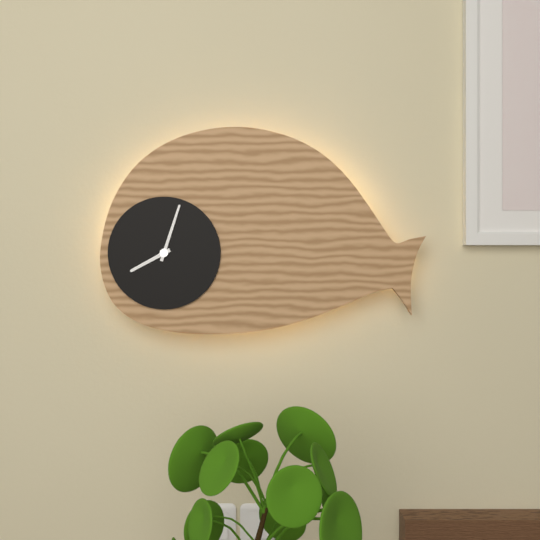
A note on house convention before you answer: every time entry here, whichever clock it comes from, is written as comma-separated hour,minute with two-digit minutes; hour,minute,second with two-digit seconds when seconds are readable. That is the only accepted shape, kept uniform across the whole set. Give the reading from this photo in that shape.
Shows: 8,03
